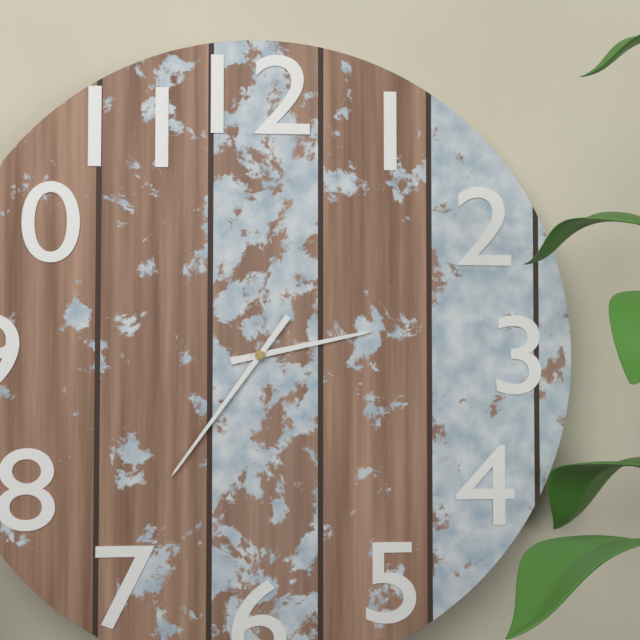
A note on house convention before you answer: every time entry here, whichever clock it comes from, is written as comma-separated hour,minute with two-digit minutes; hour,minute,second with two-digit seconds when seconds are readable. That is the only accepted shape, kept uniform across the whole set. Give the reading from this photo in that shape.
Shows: 2,36
